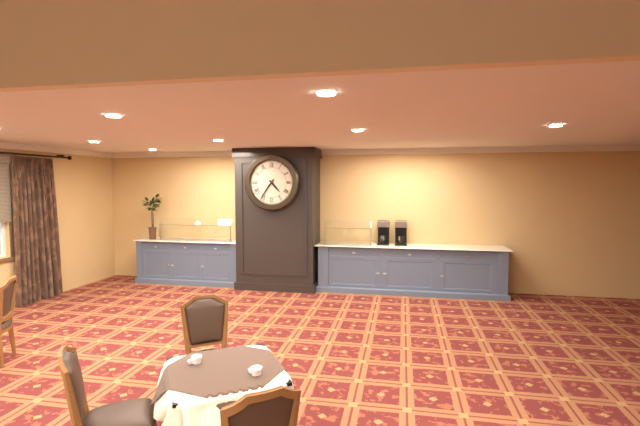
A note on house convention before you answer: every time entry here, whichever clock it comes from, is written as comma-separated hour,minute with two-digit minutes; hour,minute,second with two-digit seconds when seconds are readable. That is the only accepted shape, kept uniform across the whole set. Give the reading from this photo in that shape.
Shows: 4,36
